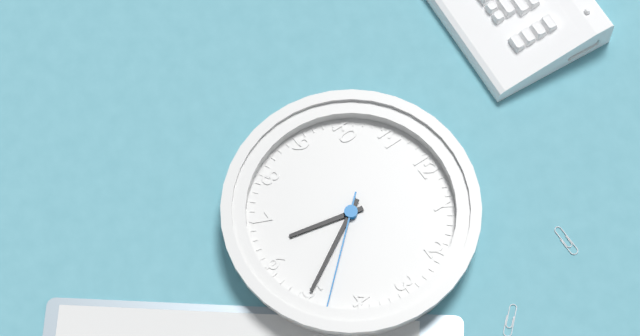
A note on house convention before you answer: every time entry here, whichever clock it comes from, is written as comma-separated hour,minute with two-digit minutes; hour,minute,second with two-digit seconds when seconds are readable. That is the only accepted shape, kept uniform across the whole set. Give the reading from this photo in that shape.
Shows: 6,25,23
